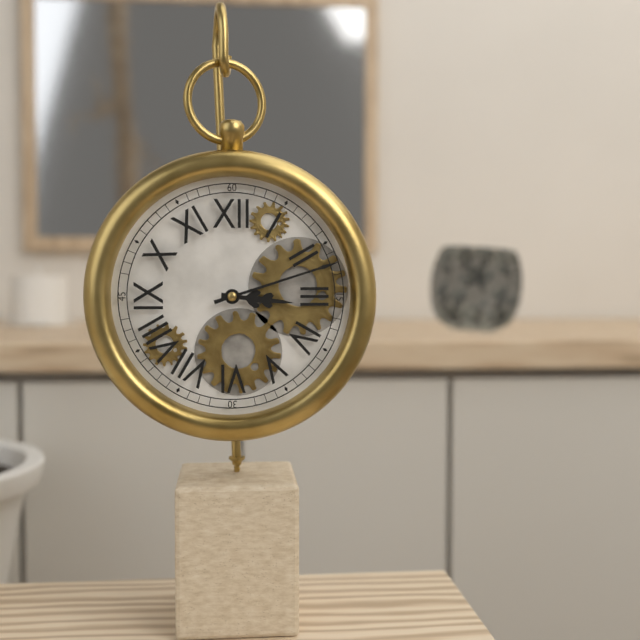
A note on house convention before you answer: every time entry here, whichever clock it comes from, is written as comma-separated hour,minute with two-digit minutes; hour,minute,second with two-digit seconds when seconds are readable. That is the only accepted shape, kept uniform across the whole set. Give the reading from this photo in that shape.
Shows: 3,12
